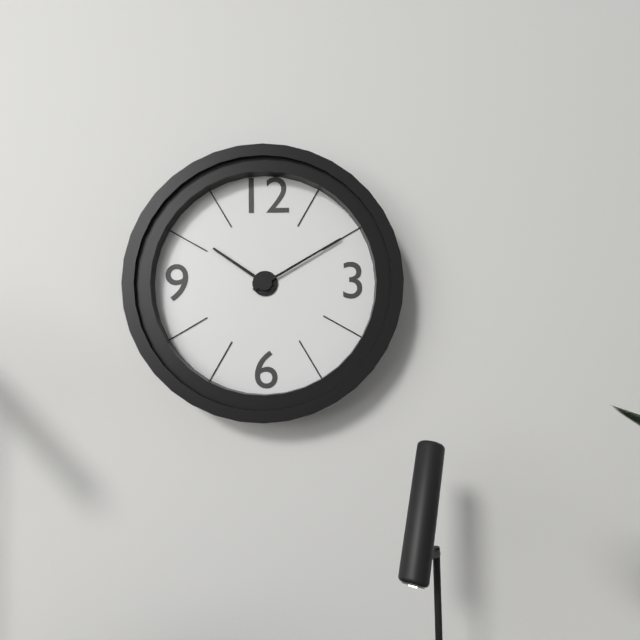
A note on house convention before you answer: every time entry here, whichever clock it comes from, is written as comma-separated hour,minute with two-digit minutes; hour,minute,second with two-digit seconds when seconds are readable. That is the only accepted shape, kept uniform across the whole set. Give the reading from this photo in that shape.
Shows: 10,10
